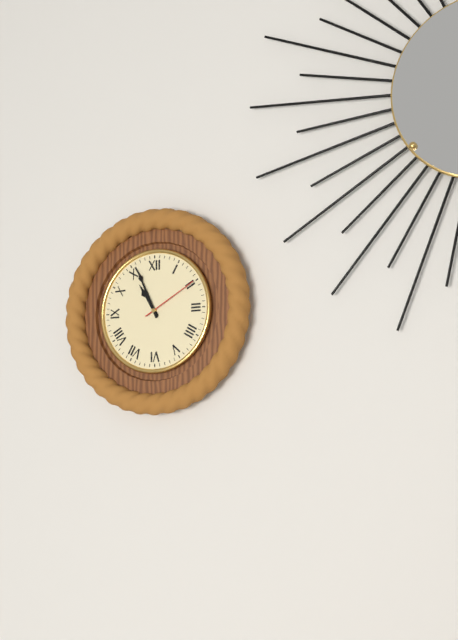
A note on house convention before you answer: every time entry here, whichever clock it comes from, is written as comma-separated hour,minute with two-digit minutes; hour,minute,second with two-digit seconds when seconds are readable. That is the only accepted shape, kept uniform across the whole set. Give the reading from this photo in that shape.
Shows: 10,56,10
